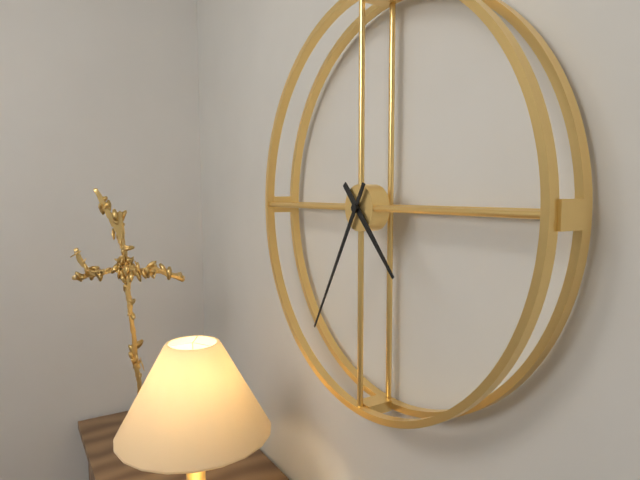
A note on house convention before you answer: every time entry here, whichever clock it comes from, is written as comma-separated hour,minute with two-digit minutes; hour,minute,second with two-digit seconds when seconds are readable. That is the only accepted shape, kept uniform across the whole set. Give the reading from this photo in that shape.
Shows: 4,35
